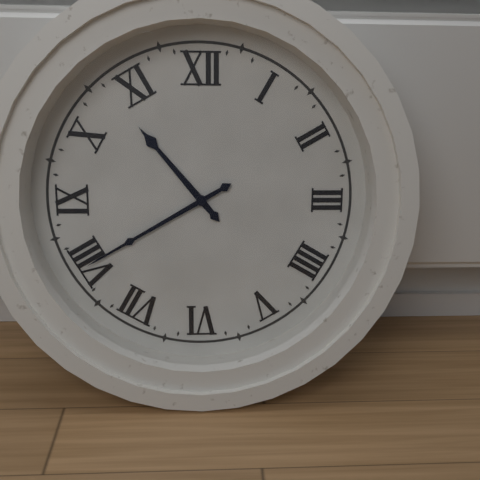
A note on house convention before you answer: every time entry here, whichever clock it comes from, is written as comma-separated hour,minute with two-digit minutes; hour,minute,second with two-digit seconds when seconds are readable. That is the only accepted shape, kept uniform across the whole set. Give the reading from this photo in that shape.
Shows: 10,40
